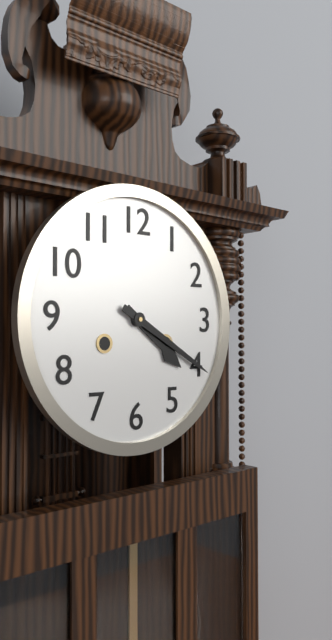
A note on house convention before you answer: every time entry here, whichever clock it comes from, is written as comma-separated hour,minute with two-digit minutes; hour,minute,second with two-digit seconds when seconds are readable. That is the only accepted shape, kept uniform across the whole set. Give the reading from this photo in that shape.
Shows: 4,20
